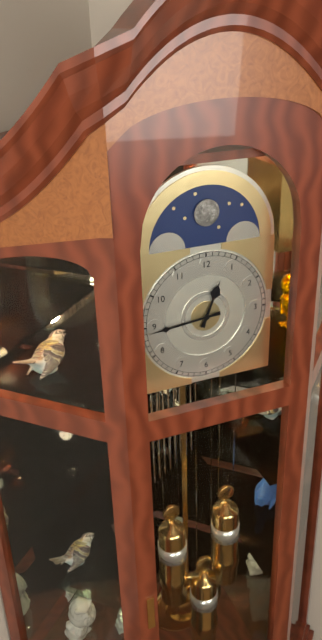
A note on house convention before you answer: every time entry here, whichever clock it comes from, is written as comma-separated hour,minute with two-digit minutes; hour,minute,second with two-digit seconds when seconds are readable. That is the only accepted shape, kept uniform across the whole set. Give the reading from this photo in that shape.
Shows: 12,44
